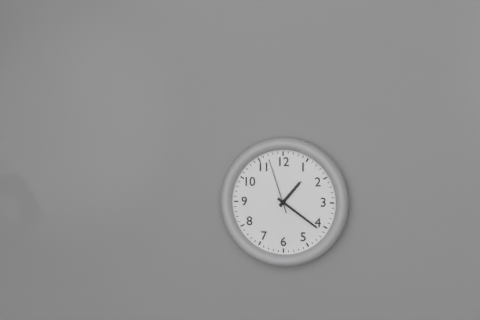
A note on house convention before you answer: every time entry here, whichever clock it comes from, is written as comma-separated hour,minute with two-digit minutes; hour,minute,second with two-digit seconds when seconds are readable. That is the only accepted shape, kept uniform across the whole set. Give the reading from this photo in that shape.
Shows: 1,21,57
